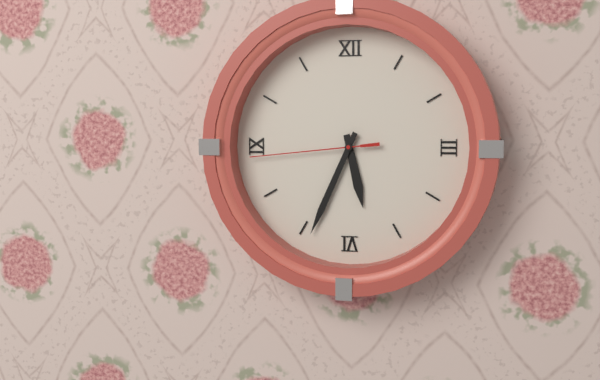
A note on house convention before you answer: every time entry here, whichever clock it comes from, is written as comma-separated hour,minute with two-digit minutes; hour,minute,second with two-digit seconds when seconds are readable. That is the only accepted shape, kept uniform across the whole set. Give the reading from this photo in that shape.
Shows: 5,34,44
